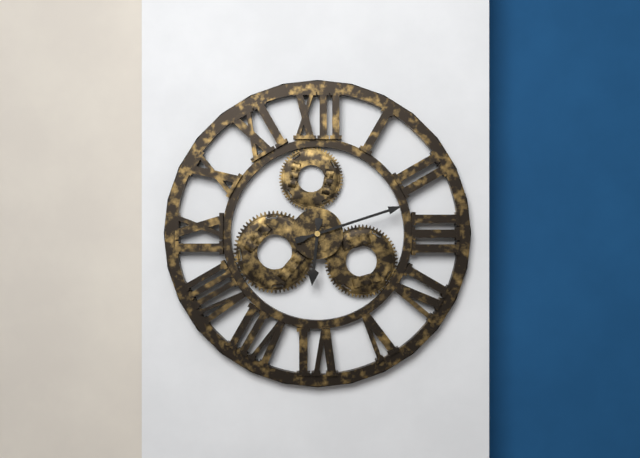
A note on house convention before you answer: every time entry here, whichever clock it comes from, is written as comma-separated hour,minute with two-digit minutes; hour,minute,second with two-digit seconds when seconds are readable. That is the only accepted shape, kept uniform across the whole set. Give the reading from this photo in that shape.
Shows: 6,12
